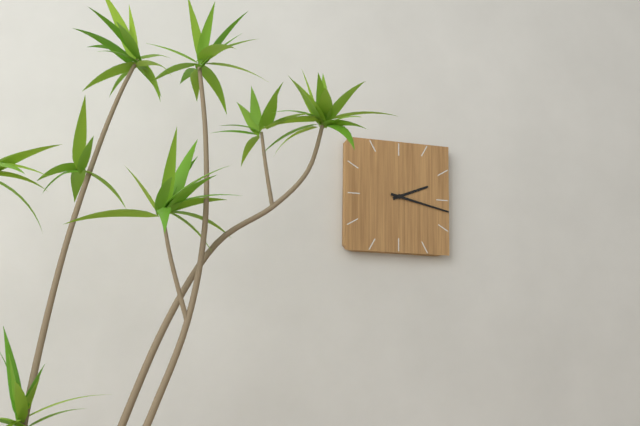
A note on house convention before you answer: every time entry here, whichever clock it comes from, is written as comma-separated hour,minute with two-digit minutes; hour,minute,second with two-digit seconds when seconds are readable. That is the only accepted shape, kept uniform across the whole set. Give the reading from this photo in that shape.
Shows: 2,17
